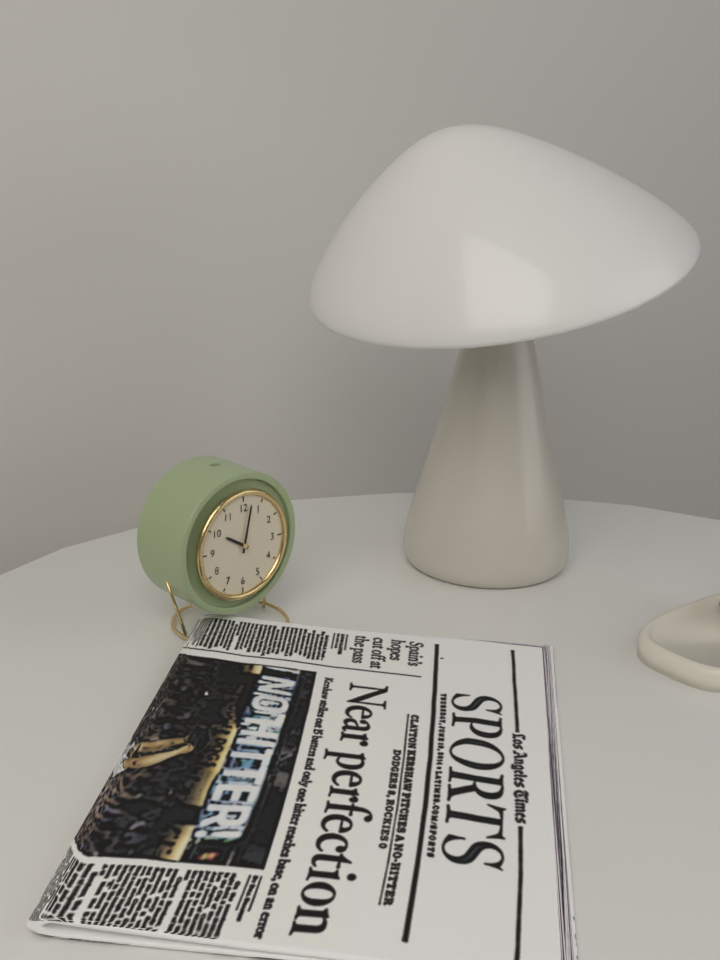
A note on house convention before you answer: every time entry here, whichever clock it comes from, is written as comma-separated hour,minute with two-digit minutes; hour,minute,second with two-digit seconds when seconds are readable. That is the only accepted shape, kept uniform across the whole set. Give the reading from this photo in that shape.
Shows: 10,02
